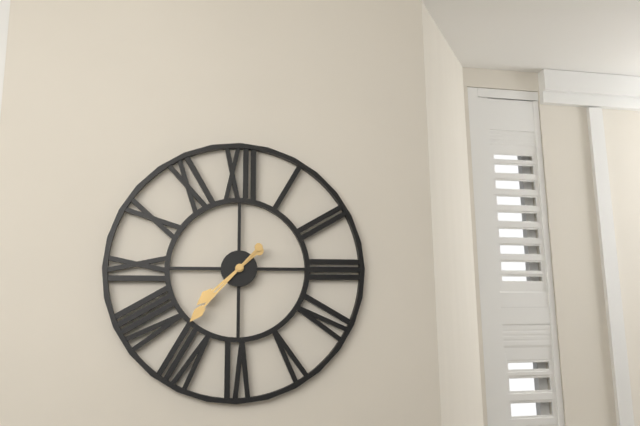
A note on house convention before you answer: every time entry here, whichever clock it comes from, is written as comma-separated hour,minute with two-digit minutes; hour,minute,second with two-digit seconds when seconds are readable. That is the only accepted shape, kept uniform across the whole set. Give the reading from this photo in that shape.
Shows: 7,37
